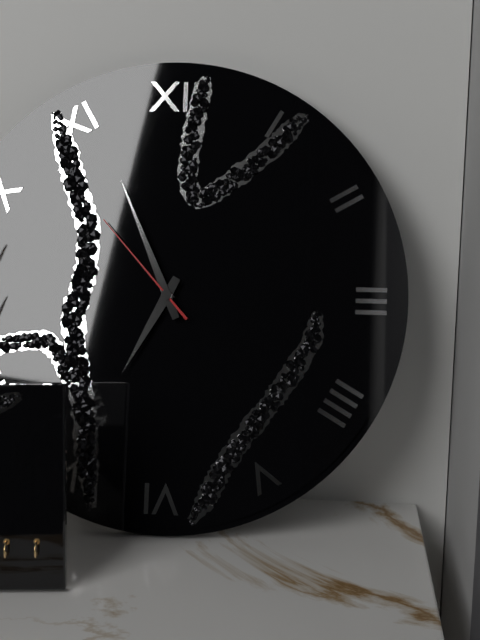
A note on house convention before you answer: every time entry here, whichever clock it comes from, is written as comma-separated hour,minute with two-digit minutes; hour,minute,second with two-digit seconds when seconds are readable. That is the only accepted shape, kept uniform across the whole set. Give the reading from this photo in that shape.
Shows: 6,56,53
